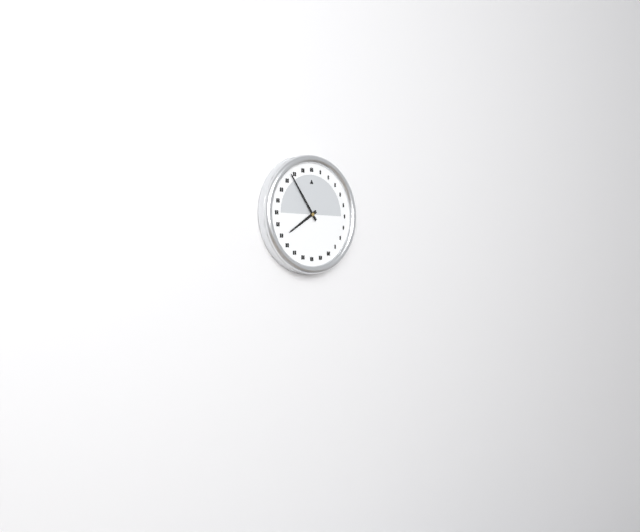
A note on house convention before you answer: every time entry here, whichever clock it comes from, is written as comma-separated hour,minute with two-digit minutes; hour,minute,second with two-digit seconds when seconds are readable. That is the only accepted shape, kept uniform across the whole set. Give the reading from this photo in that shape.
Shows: 7,54
